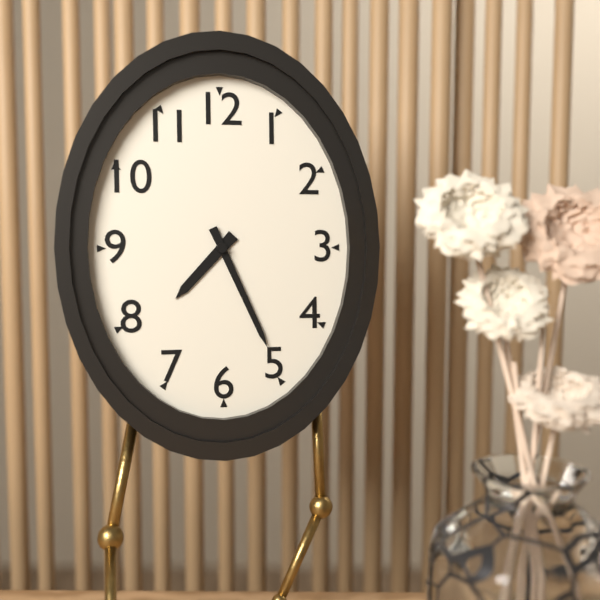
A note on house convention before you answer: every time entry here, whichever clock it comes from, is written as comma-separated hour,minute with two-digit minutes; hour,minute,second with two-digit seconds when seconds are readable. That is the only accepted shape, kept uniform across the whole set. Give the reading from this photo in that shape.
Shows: 7,26
